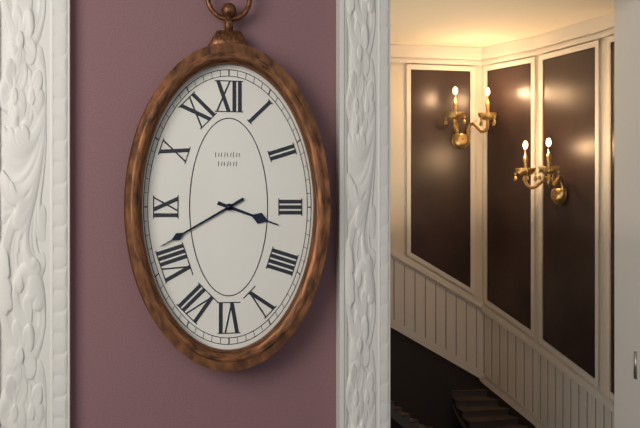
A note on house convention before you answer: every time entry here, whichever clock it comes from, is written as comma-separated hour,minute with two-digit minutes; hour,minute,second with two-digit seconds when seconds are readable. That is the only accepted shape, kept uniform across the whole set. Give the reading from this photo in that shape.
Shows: 3,40
